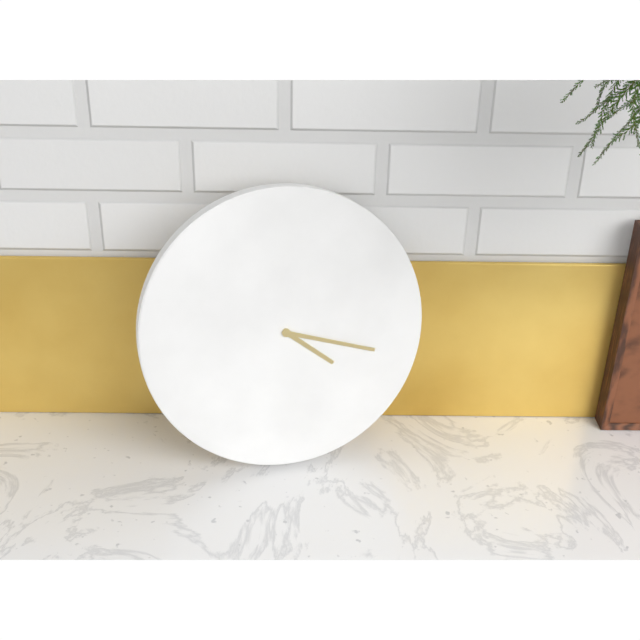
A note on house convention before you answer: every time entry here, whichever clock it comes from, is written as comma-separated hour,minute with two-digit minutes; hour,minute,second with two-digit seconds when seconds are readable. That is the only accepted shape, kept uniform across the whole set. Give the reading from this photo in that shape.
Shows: 4,18
